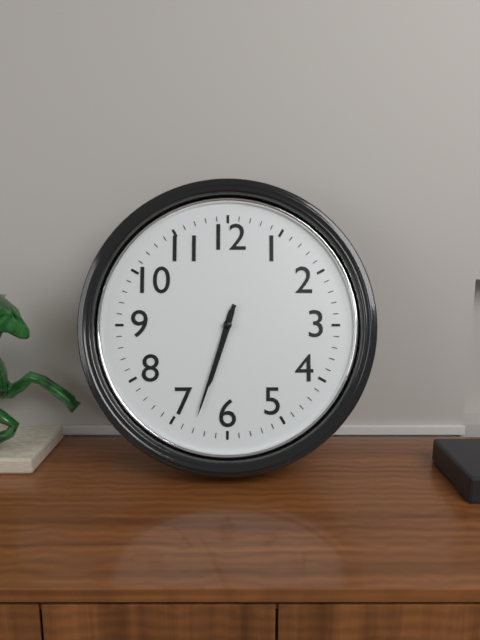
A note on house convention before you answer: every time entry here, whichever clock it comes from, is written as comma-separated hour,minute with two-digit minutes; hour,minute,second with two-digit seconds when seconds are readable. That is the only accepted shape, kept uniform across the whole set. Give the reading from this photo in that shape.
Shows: 6,33
